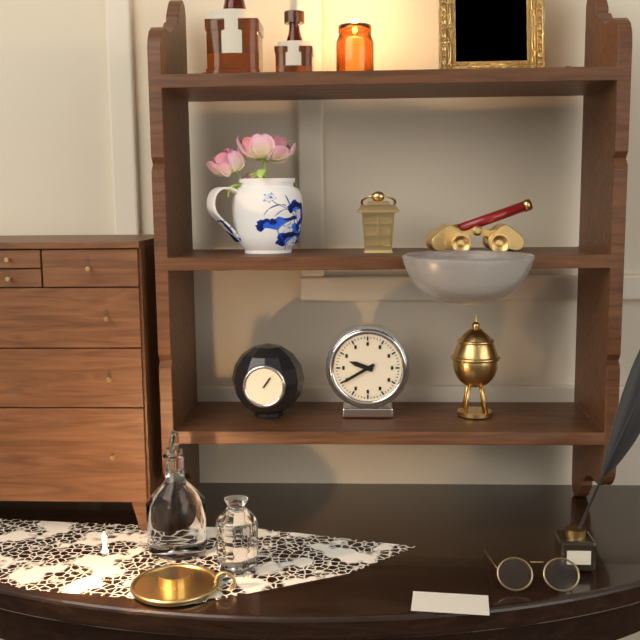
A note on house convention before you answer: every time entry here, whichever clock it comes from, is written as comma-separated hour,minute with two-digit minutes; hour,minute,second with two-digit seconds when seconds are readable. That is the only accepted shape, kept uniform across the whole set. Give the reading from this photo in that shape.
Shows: 9,40
